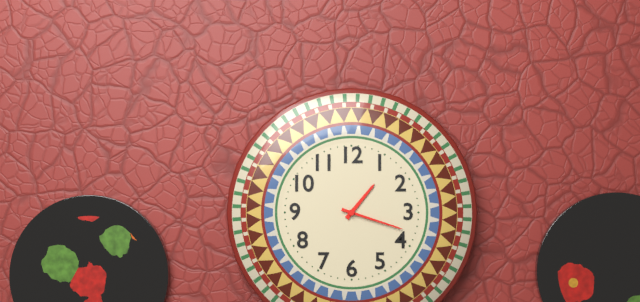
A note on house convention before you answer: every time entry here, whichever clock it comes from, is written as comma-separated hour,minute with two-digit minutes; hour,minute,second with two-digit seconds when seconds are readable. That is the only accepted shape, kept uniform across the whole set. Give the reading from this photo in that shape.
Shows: 1,18
